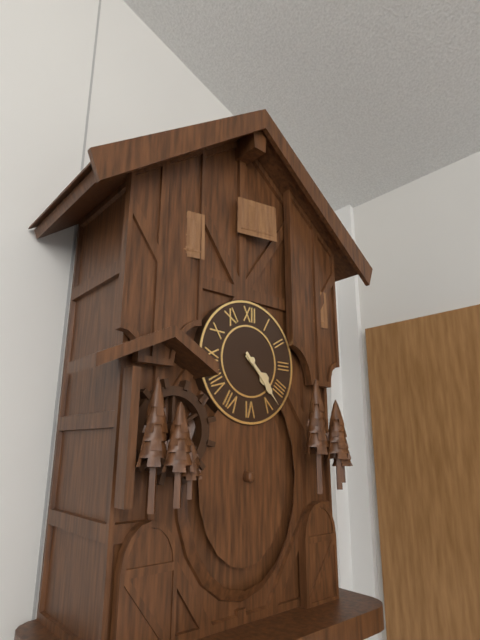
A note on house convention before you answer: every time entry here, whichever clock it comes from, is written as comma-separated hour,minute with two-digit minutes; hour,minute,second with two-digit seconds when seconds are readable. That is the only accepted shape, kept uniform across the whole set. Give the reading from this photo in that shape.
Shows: 4,23
